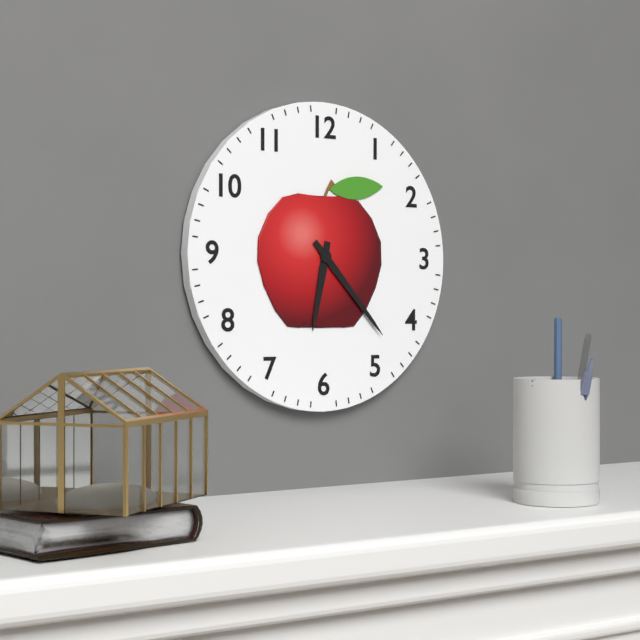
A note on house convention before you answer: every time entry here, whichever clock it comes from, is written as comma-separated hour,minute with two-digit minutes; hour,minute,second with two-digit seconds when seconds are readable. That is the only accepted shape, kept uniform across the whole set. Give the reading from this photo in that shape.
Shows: 6,23
